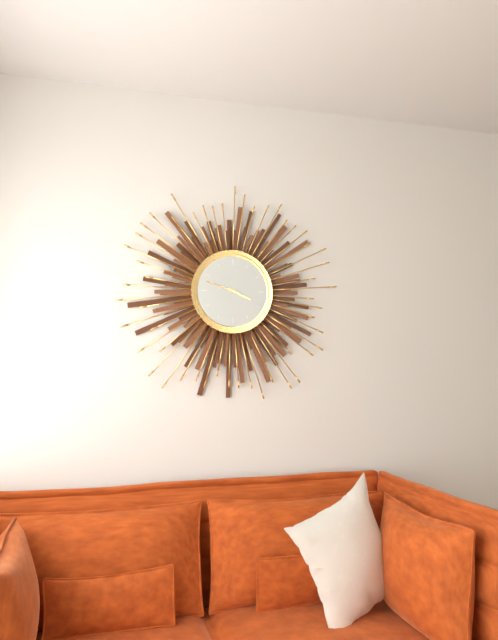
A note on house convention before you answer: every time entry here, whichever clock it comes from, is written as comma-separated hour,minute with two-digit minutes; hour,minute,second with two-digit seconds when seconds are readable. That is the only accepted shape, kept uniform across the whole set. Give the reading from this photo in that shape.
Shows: 3,48
